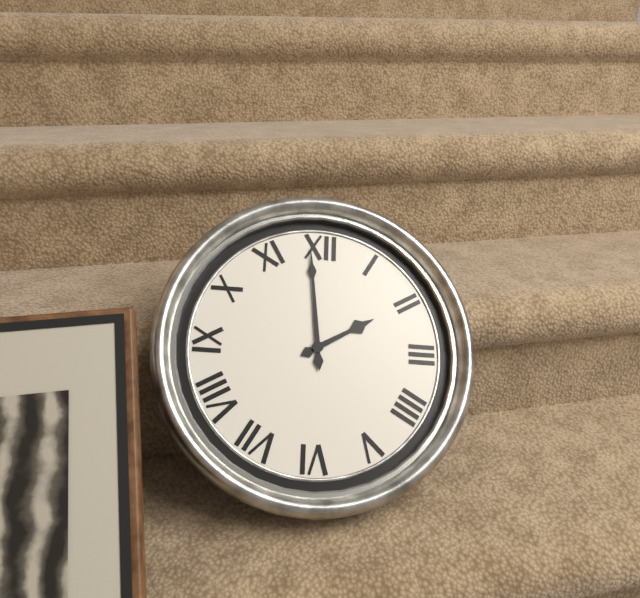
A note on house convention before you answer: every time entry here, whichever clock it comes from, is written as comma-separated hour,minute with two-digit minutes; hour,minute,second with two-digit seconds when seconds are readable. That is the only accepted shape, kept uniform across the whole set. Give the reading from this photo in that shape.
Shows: 1,59
